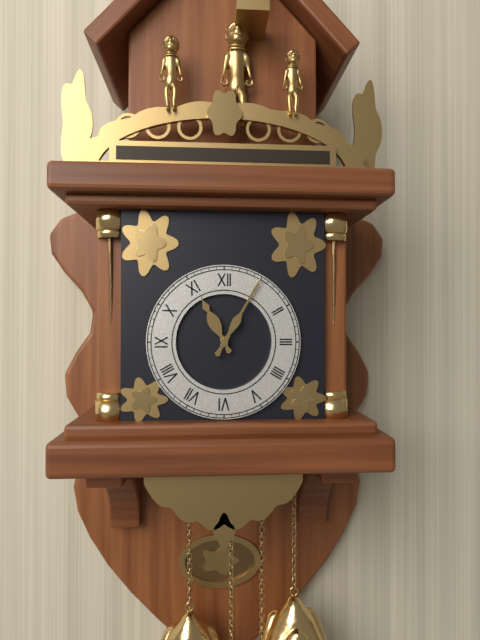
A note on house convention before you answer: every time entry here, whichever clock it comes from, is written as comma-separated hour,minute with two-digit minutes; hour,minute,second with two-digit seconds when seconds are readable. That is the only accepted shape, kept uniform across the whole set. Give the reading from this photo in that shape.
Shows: 11,05
